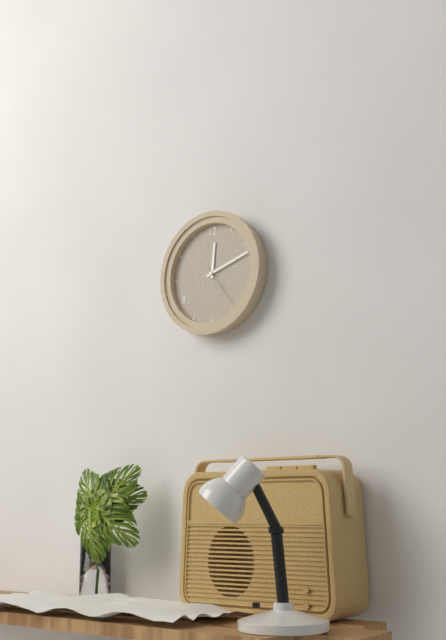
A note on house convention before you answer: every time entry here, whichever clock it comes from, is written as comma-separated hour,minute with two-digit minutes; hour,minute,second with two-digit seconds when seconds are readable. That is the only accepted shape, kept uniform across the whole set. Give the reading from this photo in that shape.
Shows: 12,12,24
